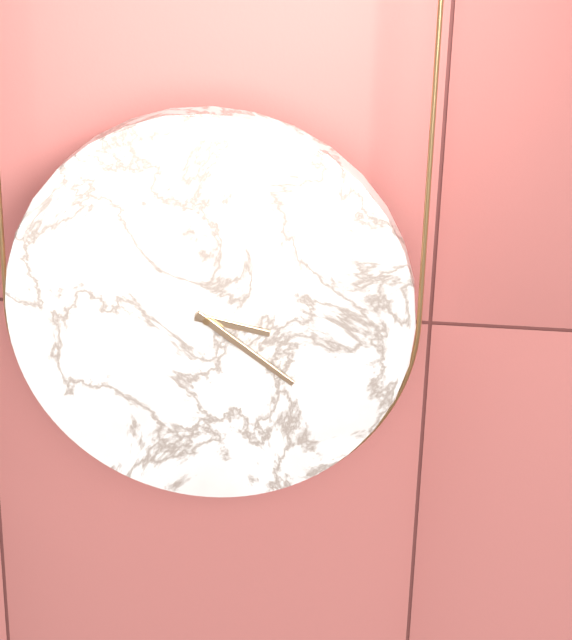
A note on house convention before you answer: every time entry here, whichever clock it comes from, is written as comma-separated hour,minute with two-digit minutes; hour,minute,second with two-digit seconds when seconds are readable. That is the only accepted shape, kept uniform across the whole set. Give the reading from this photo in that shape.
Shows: 3,21
